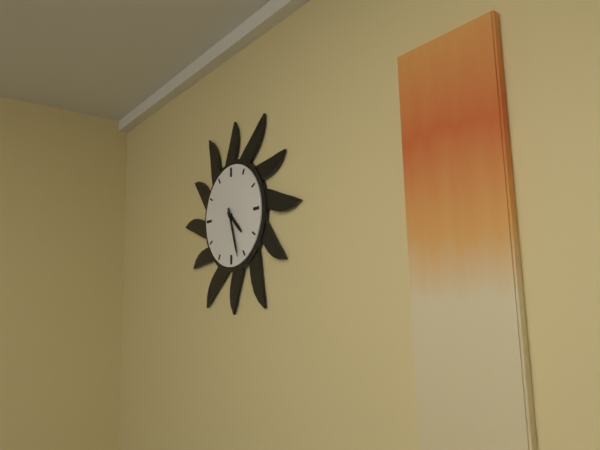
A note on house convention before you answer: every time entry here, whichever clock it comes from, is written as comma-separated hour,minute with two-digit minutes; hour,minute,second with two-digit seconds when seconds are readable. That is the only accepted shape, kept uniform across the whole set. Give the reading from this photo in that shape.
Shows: 4,27
